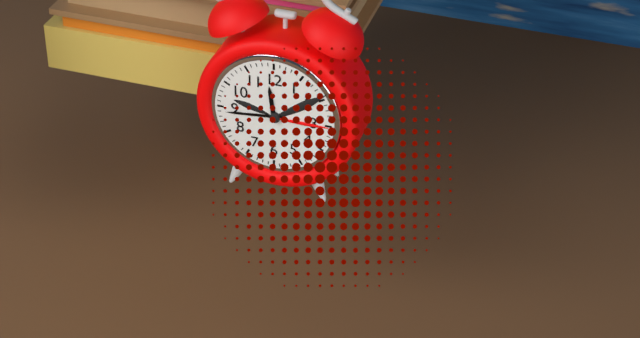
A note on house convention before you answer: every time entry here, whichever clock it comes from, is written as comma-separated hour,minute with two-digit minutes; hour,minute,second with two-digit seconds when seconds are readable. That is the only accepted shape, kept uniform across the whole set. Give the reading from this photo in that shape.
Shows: 11,44
